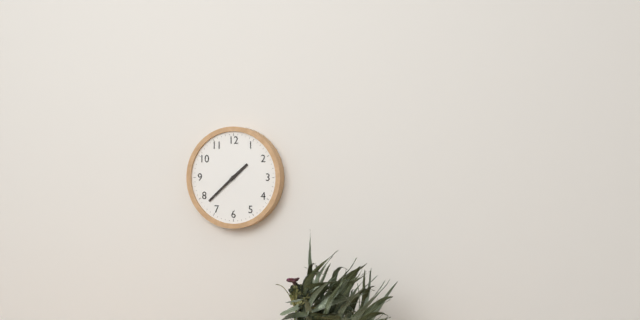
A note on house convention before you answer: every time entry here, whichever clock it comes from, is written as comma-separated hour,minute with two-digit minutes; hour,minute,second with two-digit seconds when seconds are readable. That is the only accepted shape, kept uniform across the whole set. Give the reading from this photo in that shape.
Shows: 1,38
